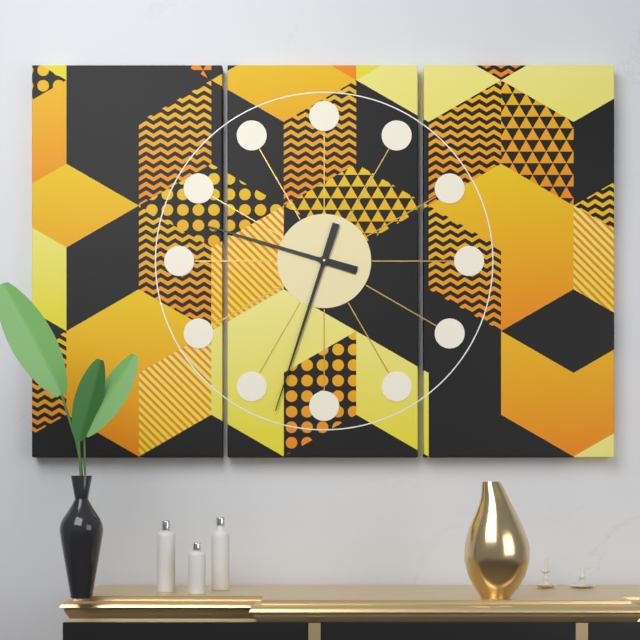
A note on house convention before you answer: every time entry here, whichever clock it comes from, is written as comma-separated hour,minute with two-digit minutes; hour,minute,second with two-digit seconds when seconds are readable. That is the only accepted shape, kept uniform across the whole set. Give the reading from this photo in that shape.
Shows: 9,33
